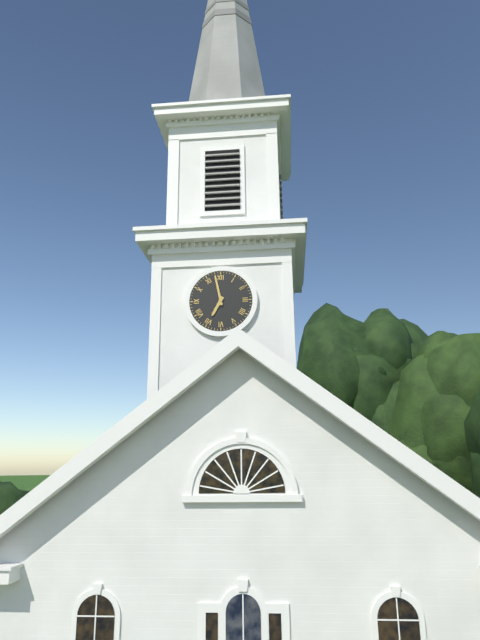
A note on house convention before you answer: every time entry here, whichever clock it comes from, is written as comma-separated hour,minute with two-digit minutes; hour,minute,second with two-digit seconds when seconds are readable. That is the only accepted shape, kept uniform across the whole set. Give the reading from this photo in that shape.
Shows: 6,58
